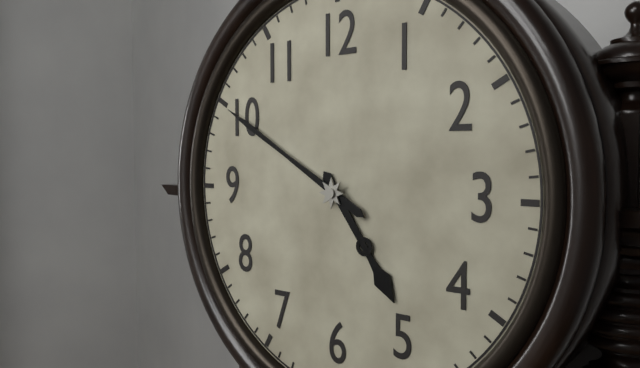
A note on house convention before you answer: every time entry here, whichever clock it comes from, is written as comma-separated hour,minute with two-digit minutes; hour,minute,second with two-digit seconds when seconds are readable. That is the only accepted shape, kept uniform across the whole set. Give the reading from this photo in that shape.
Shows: 4,50
